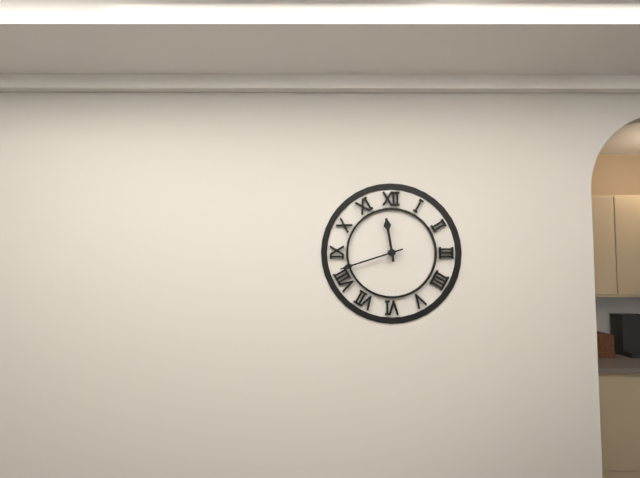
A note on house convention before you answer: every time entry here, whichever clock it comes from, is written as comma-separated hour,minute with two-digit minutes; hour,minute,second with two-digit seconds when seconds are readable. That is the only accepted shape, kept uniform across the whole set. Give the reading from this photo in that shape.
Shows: 11,42
